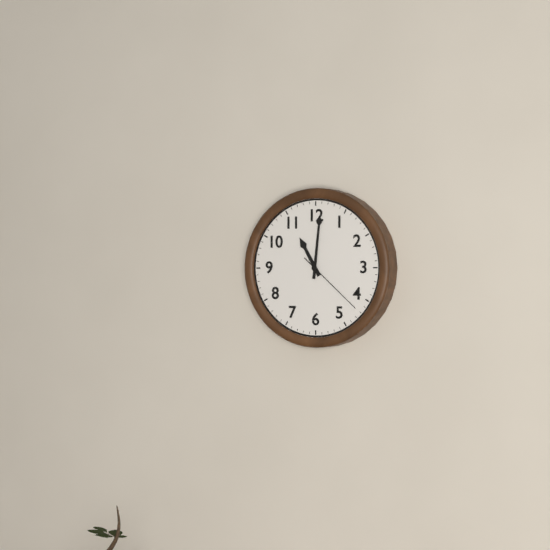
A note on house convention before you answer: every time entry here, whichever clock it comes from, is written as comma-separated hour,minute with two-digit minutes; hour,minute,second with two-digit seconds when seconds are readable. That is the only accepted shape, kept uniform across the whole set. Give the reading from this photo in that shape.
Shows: 11,01,22
